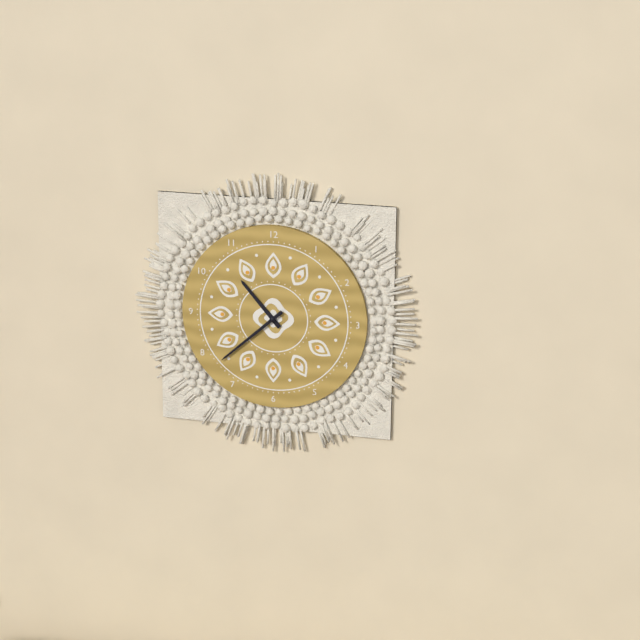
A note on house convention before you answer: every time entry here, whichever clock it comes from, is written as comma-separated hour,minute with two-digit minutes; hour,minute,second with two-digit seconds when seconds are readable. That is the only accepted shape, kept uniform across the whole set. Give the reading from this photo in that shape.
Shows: 10,38
